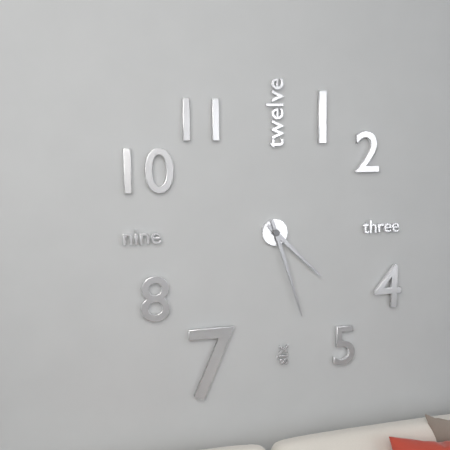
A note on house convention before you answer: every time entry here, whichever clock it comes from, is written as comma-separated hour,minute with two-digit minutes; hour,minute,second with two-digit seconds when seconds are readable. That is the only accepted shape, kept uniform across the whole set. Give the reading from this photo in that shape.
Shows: 4,27
